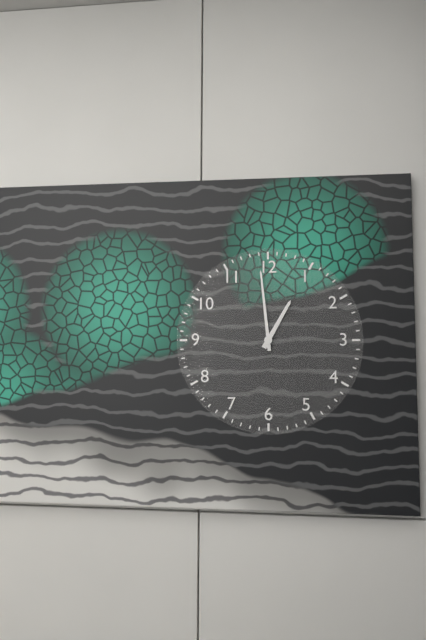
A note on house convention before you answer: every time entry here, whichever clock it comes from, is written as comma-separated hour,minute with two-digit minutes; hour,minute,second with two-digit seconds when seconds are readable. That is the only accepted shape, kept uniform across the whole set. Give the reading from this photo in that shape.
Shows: 12,59
